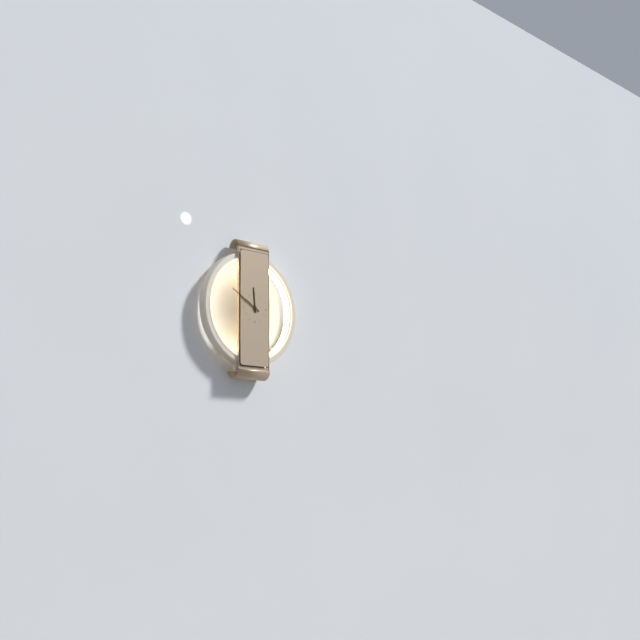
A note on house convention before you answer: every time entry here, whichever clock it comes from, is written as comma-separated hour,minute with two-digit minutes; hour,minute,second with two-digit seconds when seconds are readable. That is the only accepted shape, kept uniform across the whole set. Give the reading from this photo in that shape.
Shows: 11,50
